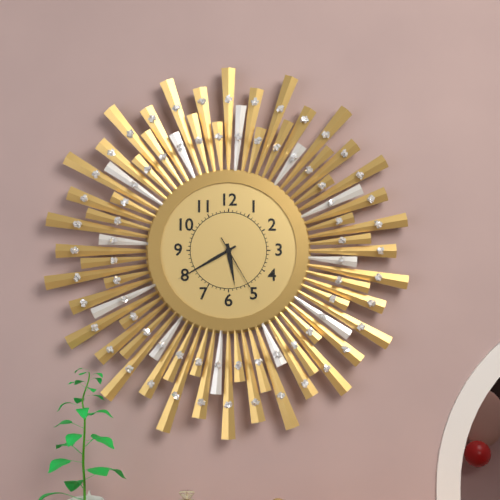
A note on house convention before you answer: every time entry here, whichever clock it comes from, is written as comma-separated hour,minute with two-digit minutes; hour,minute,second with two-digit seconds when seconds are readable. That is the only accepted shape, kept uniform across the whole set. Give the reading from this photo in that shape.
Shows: 5,40,25
